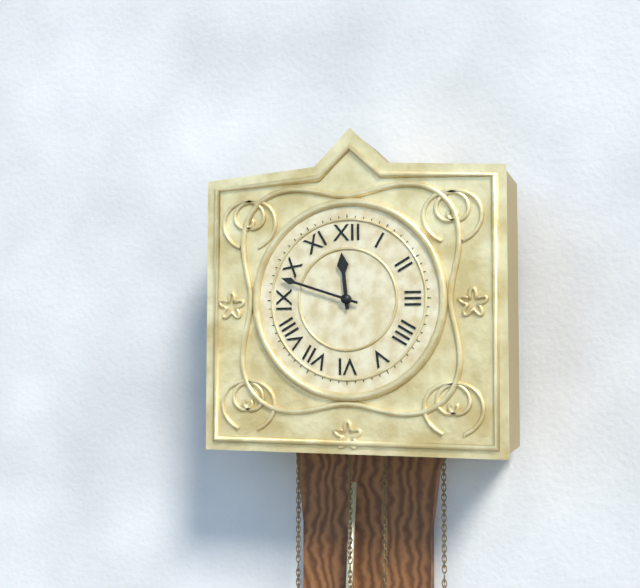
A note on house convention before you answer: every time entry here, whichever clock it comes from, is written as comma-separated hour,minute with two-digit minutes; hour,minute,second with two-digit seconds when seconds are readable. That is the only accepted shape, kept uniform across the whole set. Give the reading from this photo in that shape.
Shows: 11,48
